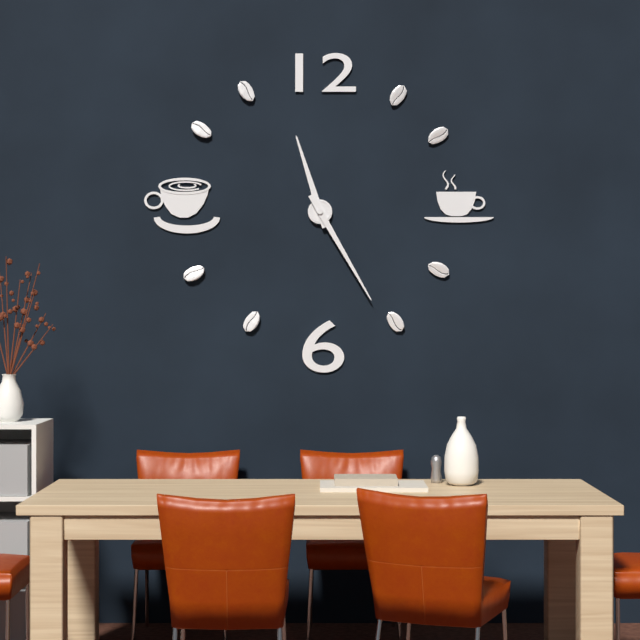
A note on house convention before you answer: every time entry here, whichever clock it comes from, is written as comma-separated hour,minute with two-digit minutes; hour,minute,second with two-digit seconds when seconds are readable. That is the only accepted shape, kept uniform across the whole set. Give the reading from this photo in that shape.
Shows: 11,25
